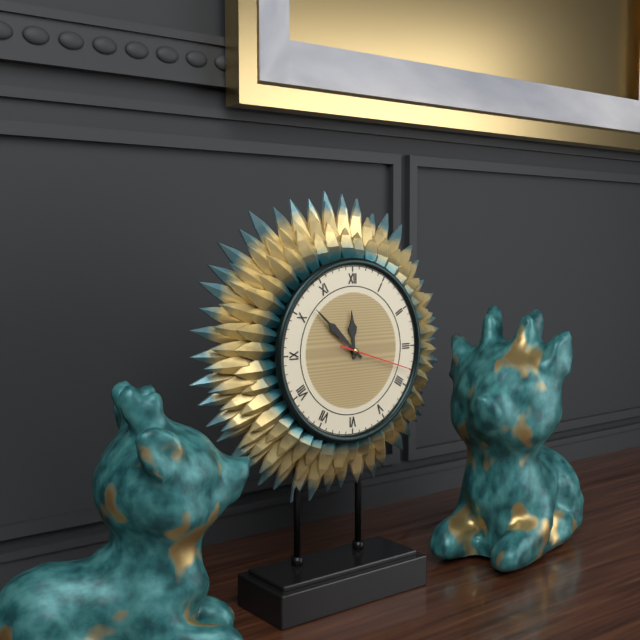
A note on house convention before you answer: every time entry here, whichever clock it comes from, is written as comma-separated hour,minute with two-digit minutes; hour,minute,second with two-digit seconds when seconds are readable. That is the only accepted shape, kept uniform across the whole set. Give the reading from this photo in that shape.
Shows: 11,52,18
